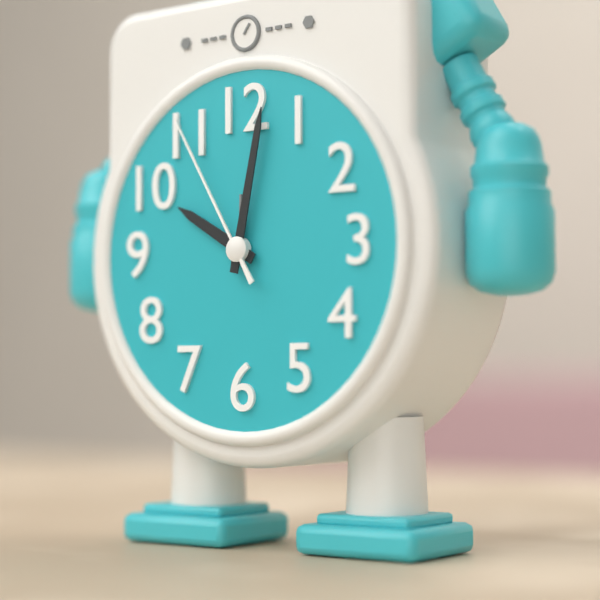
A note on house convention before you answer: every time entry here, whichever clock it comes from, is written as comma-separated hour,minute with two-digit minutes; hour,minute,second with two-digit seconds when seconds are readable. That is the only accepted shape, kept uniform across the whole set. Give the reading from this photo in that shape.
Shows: 10,02,55
